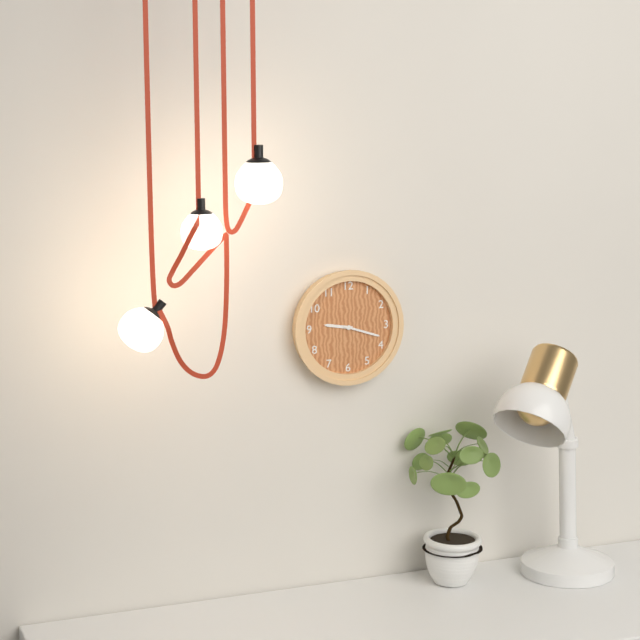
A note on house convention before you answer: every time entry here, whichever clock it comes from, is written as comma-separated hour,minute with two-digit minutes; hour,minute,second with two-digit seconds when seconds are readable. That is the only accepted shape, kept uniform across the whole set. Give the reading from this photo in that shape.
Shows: 9,18
